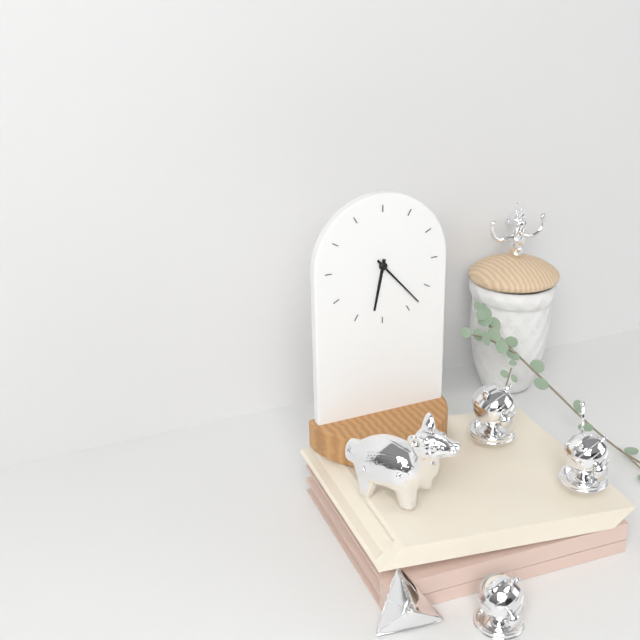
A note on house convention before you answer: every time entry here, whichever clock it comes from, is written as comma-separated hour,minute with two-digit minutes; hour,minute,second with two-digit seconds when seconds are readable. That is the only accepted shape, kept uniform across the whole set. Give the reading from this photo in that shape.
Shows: 6,23
